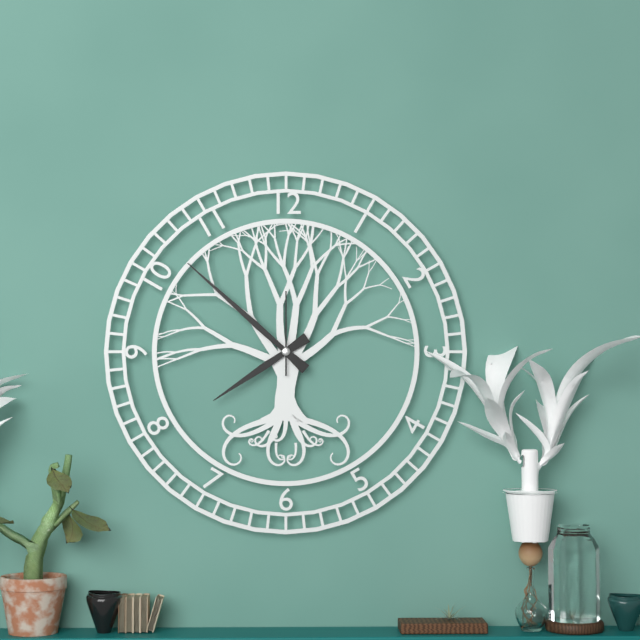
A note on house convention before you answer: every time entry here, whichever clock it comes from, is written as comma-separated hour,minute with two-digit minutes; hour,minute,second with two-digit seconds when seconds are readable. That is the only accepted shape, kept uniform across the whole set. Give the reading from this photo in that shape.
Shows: 7,52,00
